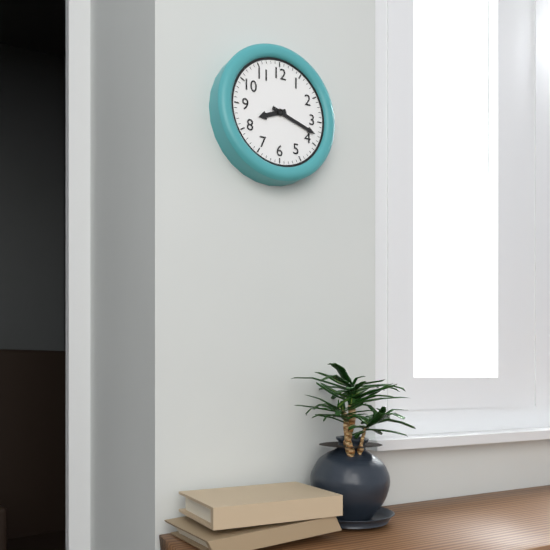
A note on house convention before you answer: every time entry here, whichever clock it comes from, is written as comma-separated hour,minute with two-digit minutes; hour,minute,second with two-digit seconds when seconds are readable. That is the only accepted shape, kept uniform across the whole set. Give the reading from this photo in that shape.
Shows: 8,18
